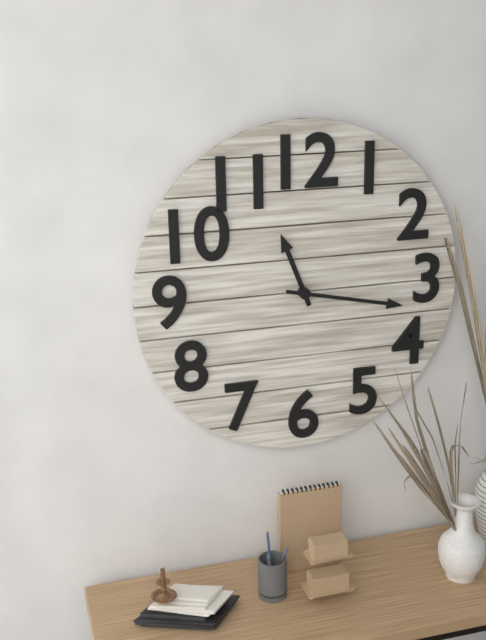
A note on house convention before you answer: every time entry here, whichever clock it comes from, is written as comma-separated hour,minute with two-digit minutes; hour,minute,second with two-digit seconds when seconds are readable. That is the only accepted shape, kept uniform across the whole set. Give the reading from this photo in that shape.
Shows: 11,17
